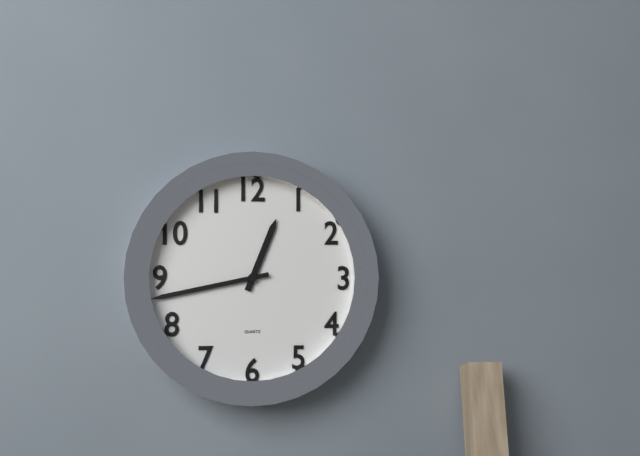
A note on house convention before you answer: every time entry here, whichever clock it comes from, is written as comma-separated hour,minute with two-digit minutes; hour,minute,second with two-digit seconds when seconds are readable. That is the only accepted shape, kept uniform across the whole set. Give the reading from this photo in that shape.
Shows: 12,43
